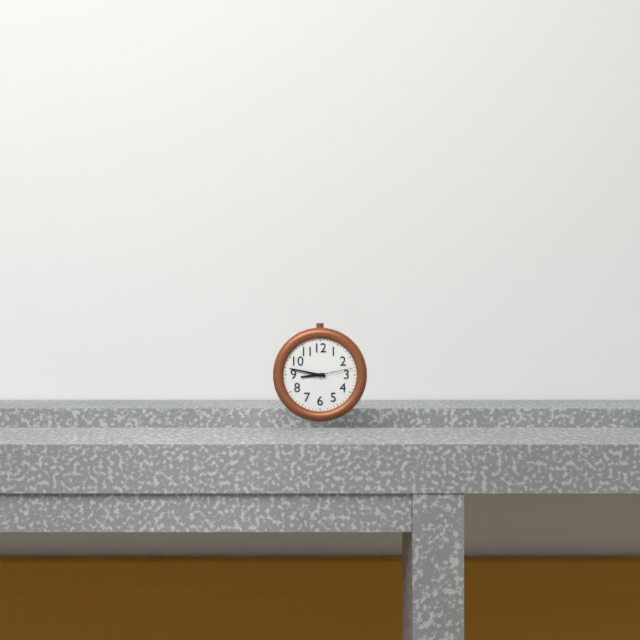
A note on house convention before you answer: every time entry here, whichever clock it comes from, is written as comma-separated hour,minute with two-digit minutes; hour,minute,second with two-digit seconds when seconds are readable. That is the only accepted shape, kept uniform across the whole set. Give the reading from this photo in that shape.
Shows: 8,47
